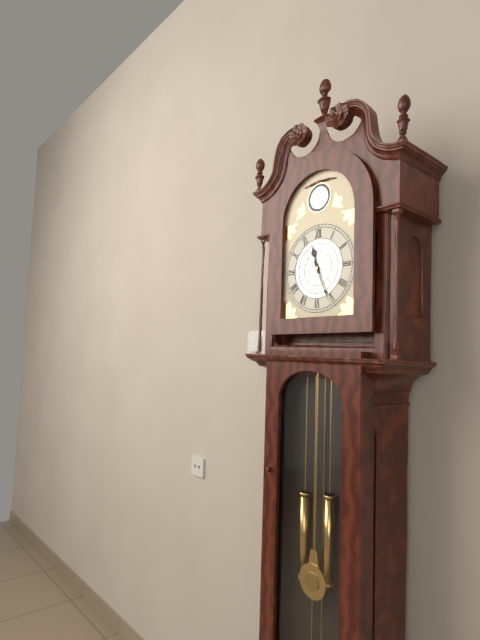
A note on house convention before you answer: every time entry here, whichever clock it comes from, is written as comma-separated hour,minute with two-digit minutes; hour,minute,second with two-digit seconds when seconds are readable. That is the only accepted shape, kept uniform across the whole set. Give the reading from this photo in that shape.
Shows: 11,26
